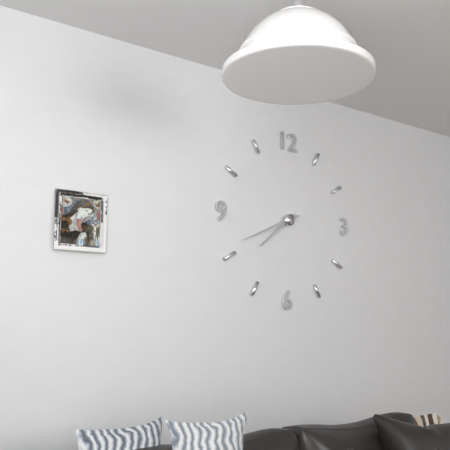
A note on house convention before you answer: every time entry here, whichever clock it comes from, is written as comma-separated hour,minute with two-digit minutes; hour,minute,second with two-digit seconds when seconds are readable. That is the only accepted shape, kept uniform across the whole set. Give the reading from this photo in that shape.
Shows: 7,41
